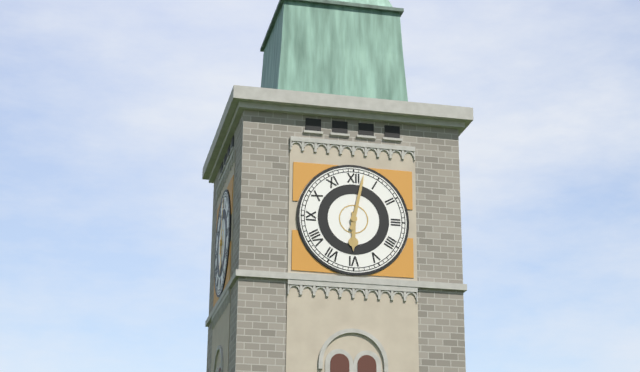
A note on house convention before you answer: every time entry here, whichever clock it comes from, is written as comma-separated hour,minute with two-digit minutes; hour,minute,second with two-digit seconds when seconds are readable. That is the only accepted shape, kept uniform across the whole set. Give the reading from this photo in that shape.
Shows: 6,02
